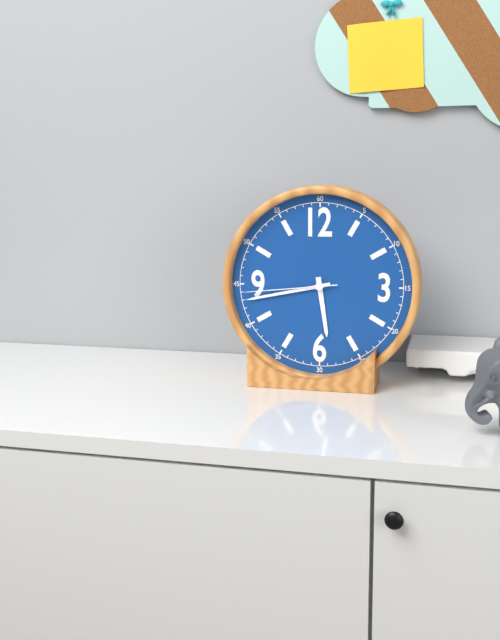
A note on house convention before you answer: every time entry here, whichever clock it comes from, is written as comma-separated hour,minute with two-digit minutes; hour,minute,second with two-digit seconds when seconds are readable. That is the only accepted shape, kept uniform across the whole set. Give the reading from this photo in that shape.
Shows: 5,43,44
